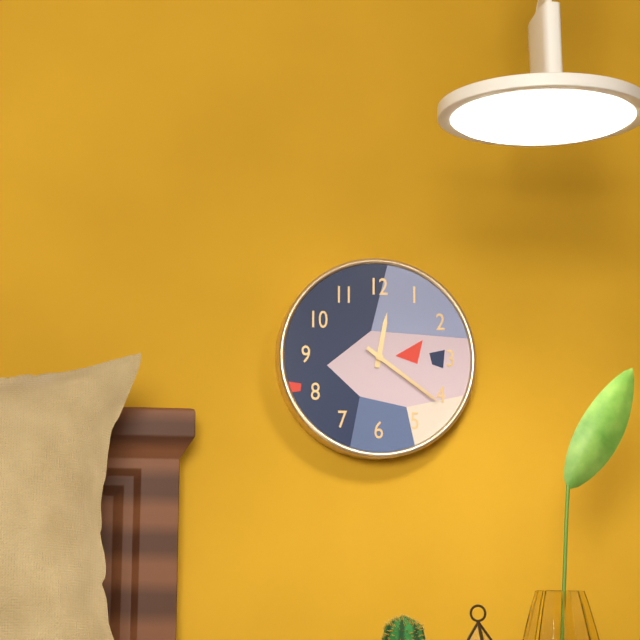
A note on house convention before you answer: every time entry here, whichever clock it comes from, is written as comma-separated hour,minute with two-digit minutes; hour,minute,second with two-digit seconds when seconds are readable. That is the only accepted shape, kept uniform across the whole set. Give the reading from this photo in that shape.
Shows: 12,21
